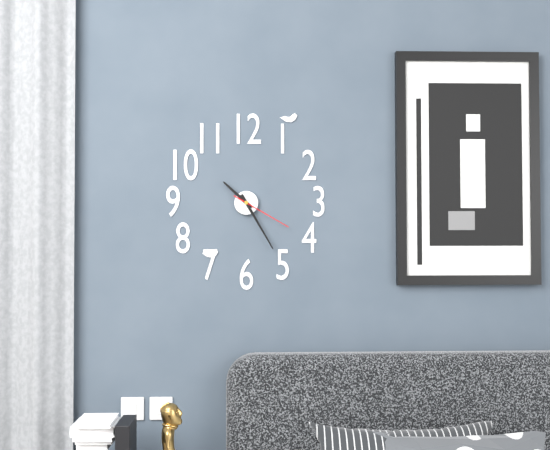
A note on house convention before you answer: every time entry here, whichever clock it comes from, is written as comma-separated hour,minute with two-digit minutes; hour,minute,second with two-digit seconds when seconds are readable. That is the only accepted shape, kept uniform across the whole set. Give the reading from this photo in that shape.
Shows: 10,25,20
